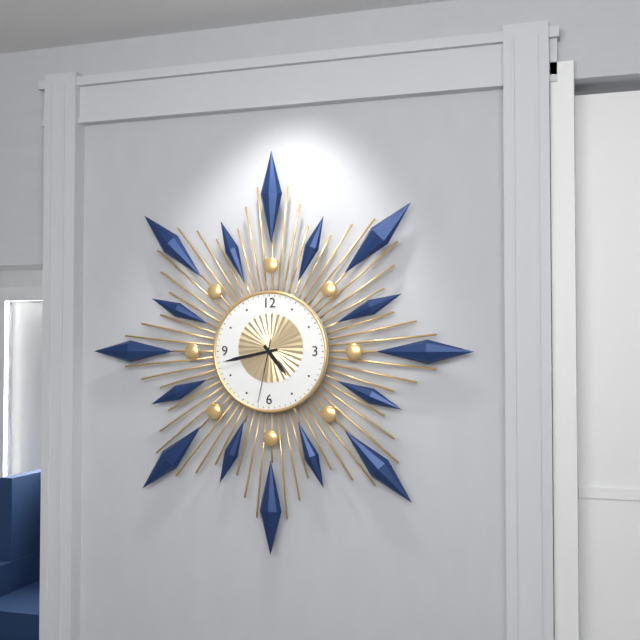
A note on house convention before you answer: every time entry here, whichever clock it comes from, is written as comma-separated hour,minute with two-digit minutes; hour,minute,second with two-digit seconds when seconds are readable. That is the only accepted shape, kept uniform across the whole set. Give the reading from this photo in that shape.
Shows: 4,43,32
